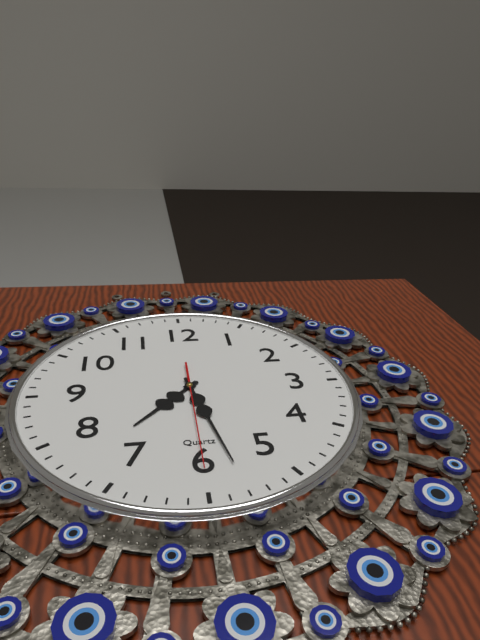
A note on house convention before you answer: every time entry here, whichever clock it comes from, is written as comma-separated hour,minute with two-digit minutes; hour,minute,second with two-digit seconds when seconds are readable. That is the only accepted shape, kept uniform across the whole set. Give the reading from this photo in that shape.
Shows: 7,28,30
